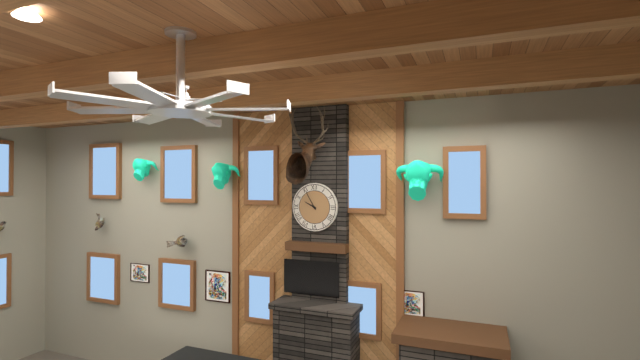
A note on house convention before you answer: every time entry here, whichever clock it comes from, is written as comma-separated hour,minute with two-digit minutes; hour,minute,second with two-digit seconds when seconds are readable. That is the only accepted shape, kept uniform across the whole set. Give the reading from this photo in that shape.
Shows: 9,55
